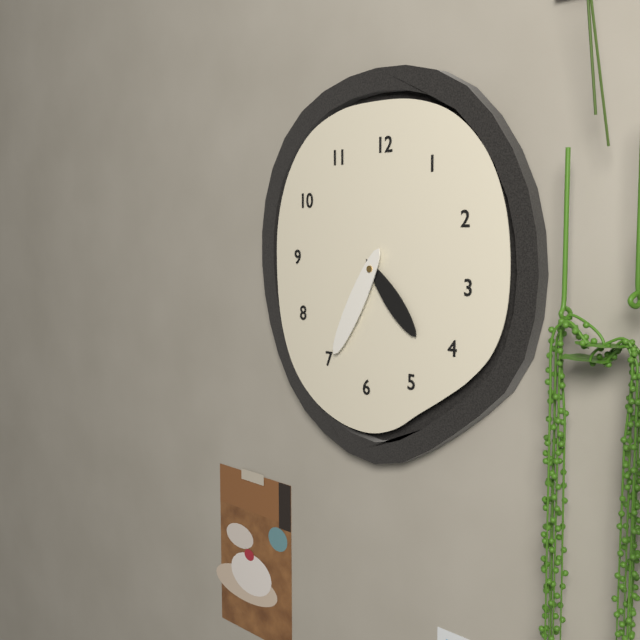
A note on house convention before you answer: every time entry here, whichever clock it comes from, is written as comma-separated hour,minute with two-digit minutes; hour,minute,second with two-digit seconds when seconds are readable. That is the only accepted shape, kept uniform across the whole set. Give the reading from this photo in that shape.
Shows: 4,35
